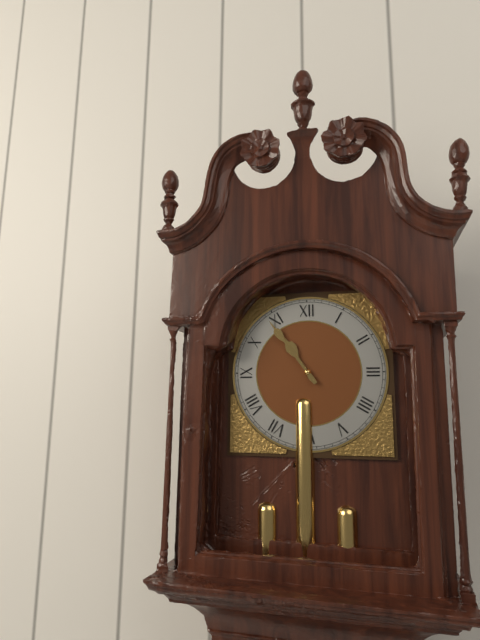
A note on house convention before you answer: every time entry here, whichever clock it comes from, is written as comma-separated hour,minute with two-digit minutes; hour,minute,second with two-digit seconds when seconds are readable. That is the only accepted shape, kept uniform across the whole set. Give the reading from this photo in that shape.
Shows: 10,54
